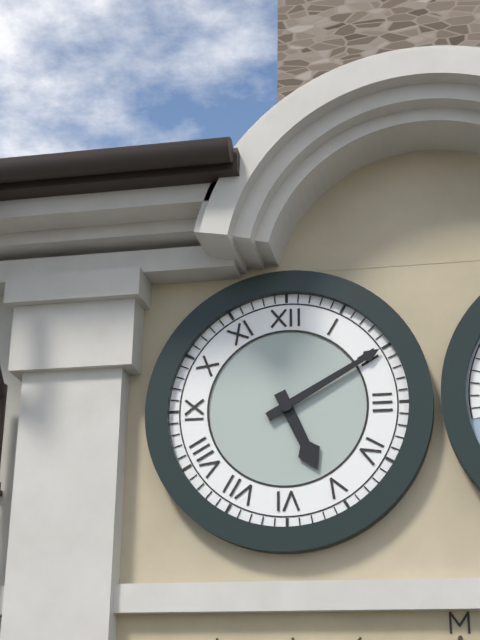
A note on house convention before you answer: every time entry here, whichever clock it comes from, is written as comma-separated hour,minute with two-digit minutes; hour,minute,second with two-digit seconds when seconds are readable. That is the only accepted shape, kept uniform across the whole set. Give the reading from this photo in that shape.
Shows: 5,10
